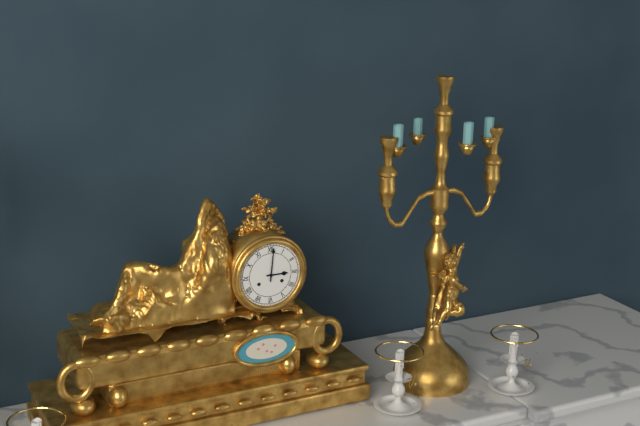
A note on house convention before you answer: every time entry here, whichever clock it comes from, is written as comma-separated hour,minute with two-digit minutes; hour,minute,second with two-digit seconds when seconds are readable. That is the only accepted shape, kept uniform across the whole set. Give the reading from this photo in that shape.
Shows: 3,01
